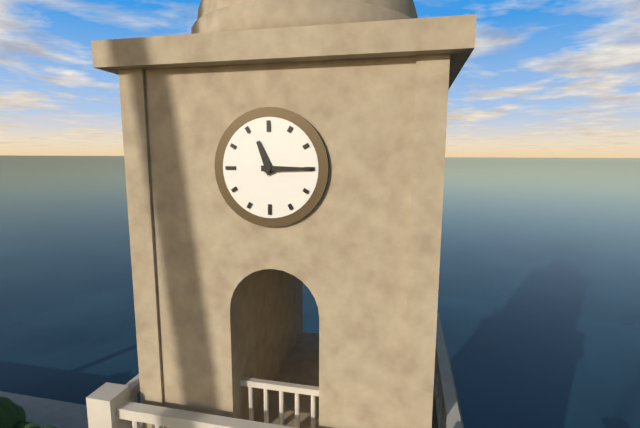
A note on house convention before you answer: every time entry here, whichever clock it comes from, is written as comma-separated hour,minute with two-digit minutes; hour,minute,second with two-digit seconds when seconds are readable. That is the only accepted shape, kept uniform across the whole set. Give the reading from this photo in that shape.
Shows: 11,15
